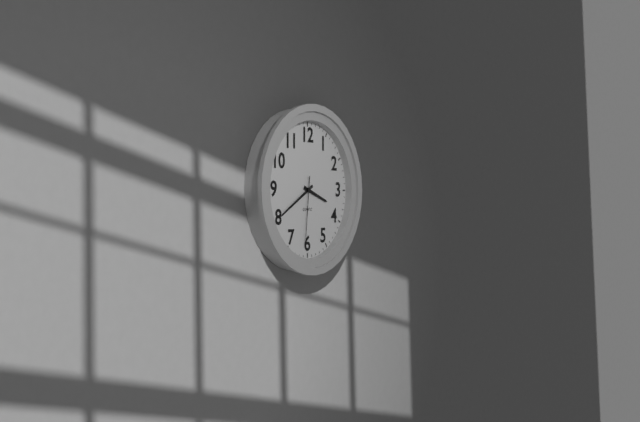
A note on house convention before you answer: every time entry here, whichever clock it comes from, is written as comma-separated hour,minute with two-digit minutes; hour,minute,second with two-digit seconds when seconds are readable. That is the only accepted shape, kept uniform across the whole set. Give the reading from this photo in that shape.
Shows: 3,40,31
